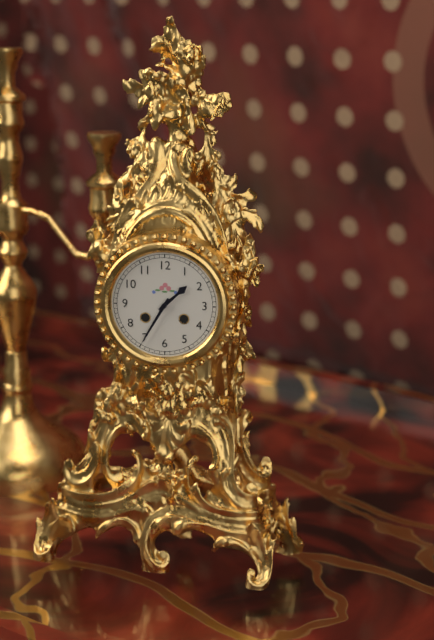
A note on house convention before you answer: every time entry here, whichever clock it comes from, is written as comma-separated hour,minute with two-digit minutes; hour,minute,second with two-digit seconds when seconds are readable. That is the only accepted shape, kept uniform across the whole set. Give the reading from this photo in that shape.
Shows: 1,35
